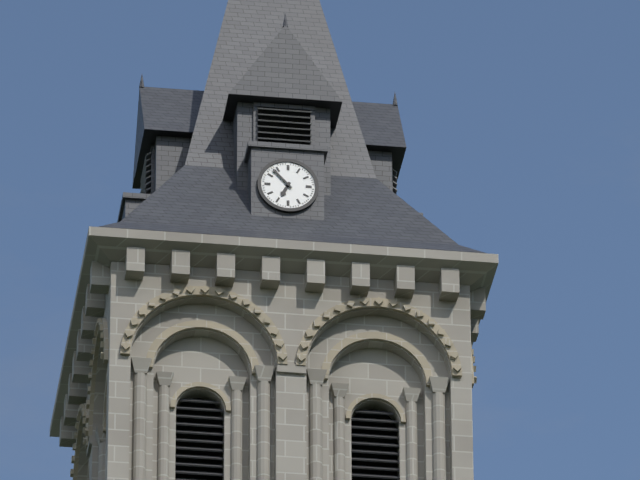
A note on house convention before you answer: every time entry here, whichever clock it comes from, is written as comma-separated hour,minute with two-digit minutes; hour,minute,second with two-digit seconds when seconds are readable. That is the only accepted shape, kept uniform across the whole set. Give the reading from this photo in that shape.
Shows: 6,53
